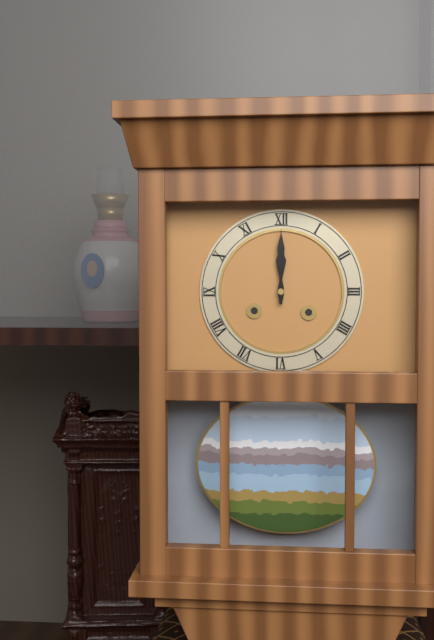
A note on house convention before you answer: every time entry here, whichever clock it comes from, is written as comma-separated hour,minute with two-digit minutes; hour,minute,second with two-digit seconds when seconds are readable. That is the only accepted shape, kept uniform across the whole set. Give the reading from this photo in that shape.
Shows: 12,00
